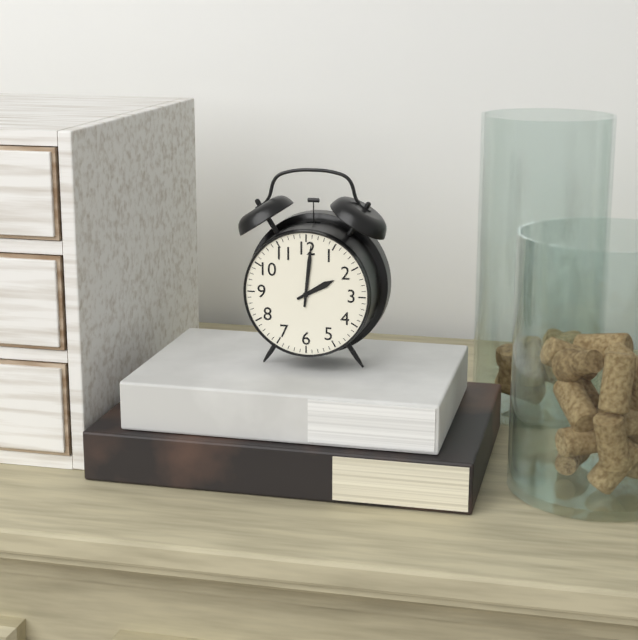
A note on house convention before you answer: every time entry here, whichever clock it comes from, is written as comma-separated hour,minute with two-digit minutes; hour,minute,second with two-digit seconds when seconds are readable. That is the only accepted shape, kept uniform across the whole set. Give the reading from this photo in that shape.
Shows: 2,01
